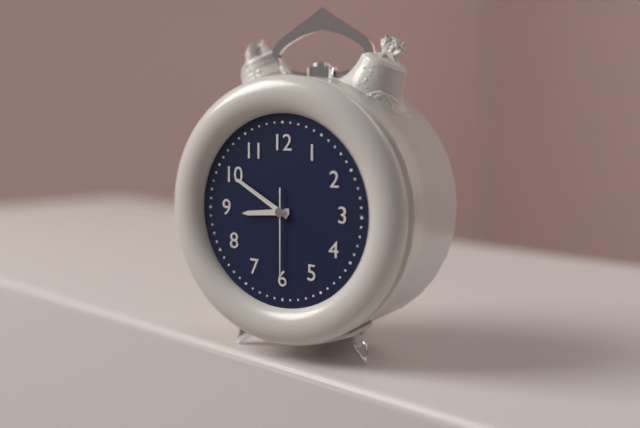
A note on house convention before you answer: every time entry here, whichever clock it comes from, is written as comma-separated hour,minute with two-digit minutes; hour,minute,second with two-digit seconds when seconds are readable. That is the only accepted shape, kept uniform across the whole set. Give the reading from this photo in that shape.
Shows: 8,50,30
